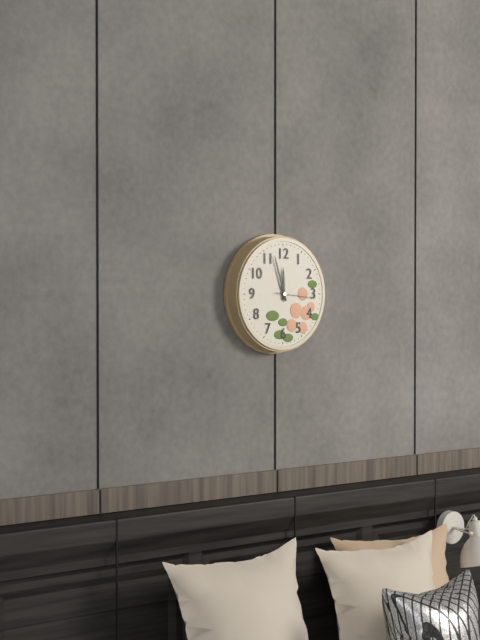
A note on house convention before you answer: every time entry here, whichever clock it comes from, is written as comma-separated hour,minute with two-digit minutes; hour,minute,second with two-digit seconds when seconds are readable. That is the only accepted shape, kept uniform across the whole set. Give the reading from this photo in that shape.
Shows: 11,57
